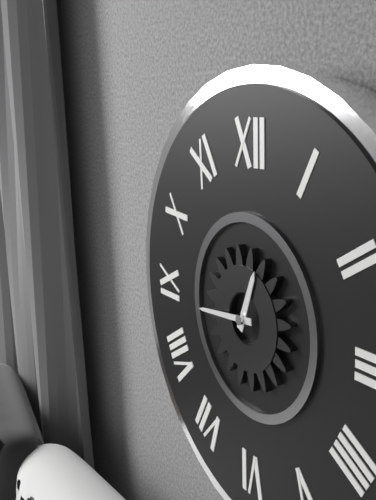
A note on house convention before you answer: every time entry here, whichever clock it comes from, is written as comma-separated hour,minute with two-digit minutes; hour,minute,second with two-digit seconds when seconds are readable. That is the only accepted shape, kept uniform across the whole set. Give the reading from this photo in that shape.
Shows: 12,44
